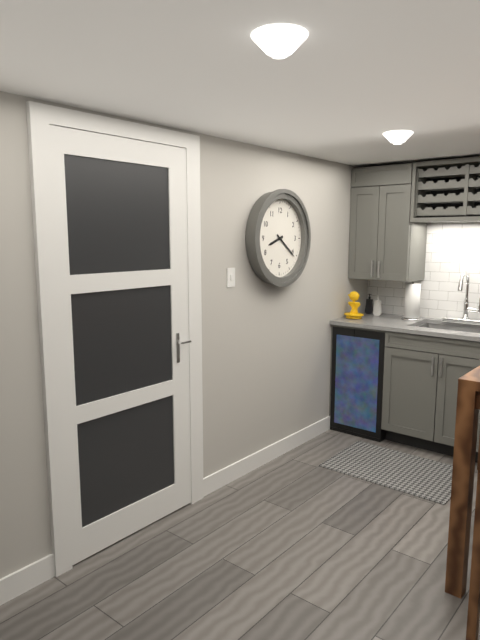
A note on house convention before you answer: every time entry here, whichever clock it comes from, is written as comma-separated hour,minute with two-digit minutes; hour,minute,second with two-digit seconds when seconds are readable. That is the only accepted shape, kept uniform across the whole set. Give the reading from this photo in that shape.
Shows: 8,21
